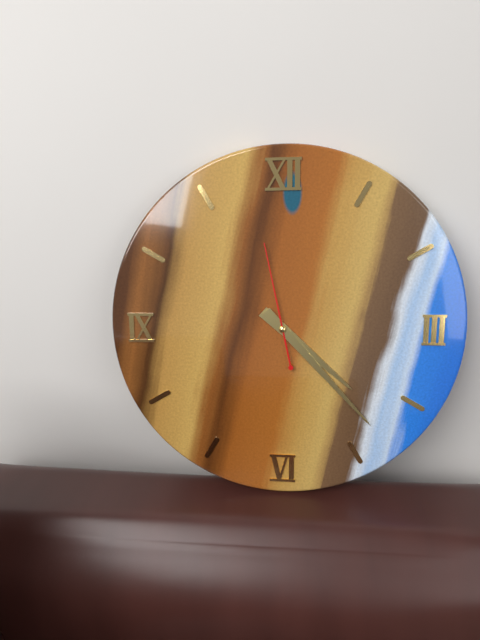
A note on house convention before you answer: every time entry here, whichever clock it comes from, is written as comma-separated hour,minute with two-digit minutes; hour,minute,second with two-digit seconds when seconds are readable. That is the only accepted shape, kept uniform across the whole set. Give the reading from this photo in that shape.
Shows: 4,23,58
